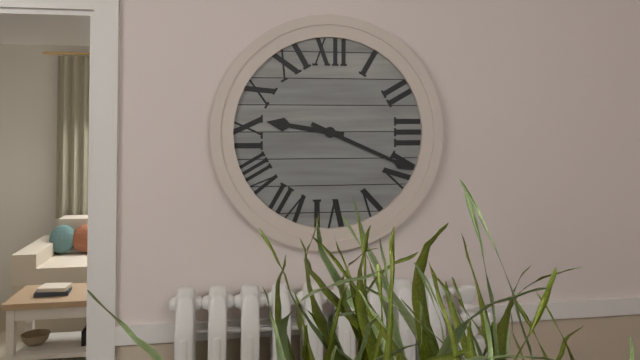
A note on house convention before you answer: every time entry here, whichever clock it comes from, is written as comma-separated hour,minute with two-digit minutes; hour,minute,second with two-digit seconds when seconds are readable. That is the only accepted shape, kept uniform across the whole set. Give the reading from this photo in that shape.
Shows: 9,19
